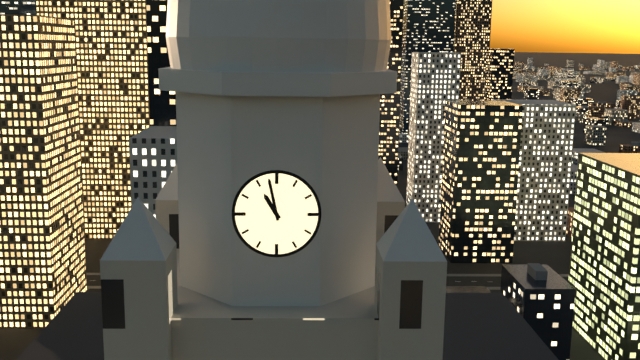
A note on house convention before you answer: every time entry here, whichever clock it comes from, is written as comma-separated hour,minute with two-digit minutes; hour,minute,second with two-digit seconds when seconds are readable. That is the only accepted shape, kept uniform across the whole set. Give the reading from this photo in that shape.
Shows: 10,58
